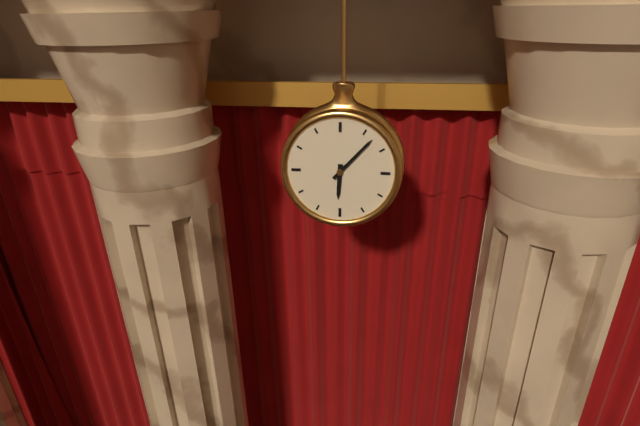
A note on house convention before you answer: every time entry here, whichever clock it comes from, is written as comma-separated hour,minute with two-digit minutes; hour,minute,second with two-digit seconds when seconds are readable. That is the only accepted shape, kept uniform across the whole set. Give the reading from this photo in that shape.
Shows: 6,07
